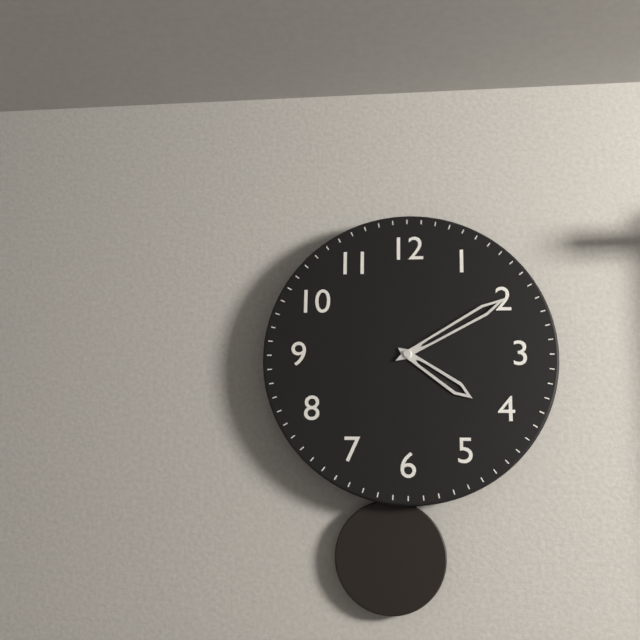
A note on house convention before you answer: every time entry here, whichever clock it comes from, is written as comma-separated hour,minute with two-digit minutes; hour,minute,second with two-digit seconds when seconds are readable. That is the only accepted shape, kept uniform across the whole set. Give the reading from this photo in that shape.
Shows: 4,10
